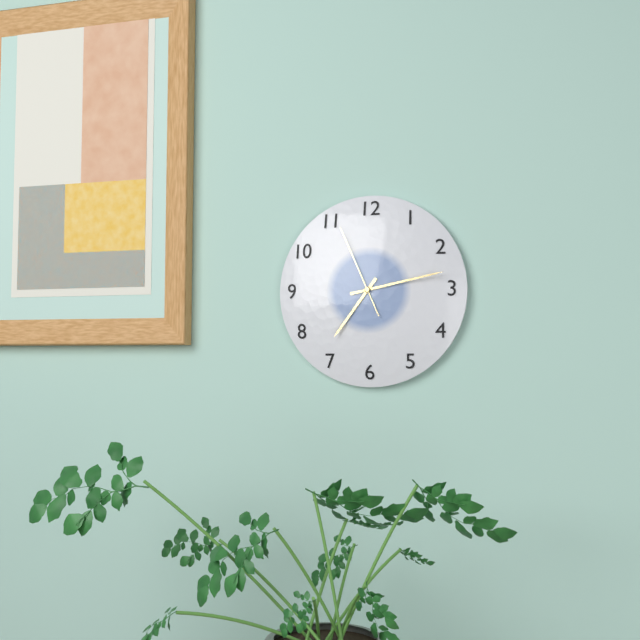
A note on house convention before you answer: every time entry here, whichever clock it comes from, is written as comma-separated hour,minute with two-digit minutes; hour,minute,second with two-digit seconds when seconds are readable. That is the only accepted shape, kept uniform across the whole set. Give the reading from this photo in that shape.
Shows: 7,13,56
